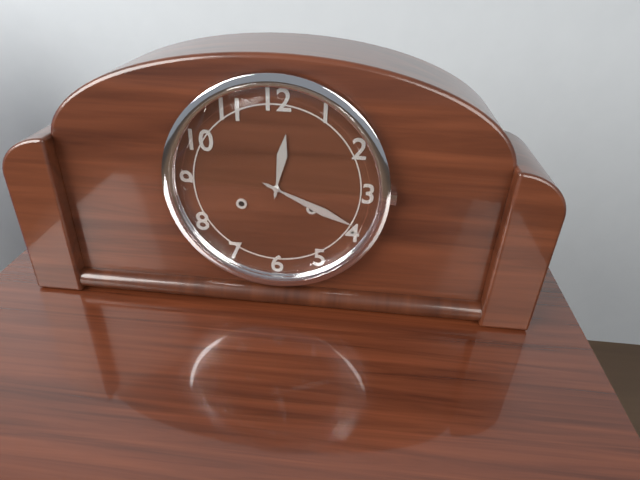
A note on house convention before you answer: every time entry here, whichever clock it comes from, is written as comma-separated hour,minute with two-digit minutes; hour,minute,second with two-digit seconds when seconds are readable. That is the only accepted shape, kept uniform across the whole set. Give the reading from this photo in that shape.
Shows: 12,19
